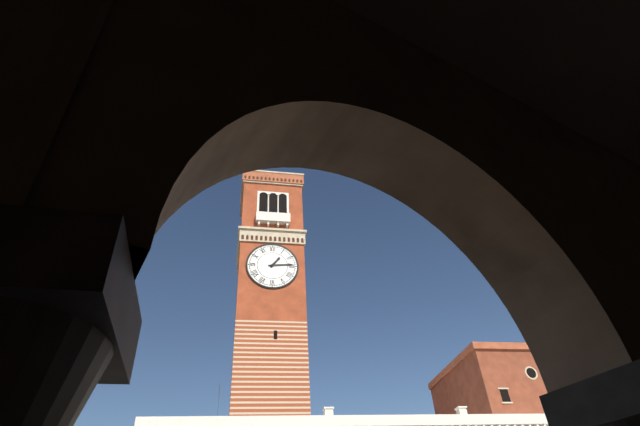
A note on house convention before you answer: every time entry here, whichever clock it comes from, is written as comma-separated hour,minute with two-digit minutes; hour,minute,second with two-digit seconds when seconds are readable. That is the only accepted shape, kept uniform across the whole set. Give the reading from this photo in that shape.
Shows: 1,14
